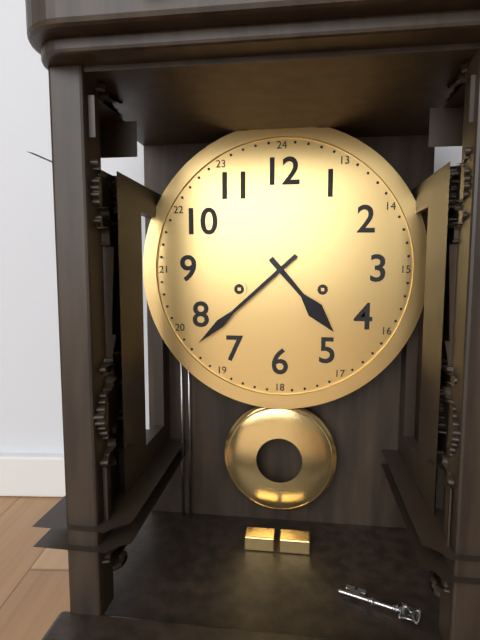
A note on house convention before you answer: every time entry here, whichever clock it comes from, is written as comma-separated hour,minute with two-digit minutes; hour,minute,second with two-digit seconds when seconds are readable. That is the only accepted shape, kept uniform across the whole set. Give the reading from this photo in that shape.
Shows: 4,38
